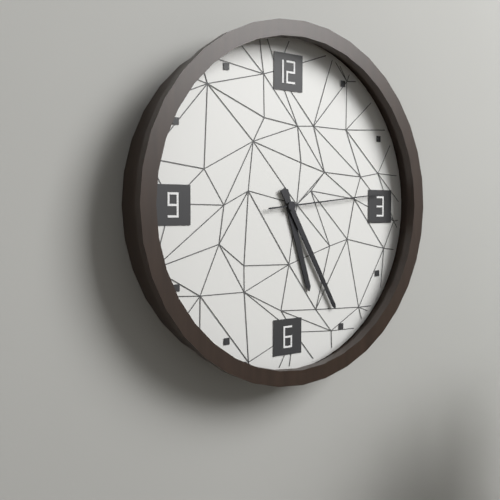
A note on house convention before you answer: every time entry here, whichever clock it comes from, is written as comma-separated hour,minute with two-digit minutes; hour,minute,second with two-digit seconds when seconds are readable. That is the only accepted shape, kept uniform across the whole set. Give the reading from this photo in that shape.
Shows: 5,25,14
